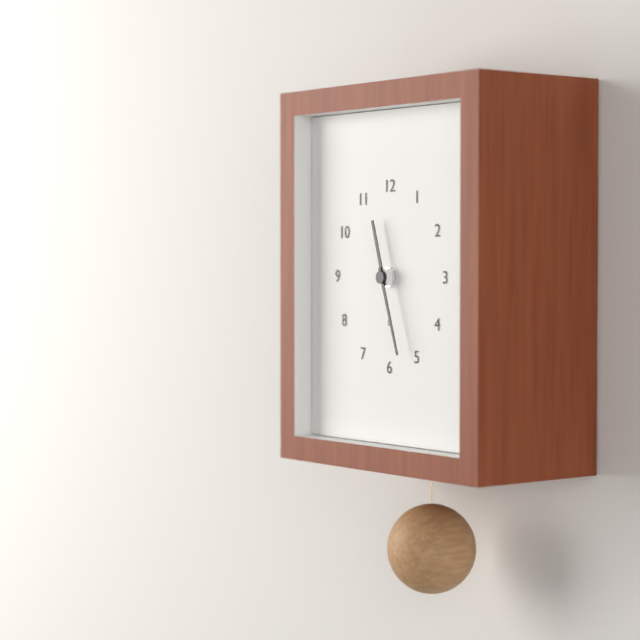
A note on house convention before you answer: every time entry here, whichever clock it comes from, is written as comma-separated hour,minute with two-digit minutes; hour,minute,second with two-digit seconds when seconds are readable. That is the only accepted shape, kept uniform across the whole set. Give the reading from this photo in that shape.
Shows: 11,27
